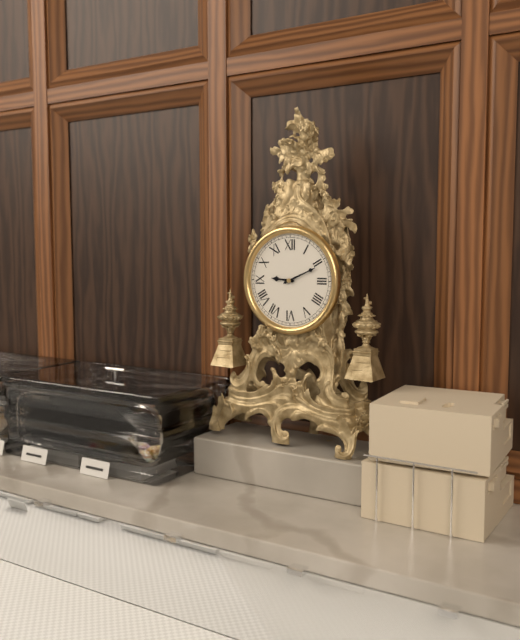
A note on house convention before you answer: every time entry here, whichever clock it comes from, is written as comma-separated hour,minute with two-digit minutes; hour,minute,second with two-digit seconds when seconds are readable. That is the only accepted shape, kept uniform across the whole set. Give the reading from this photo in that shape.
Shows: 9,11
